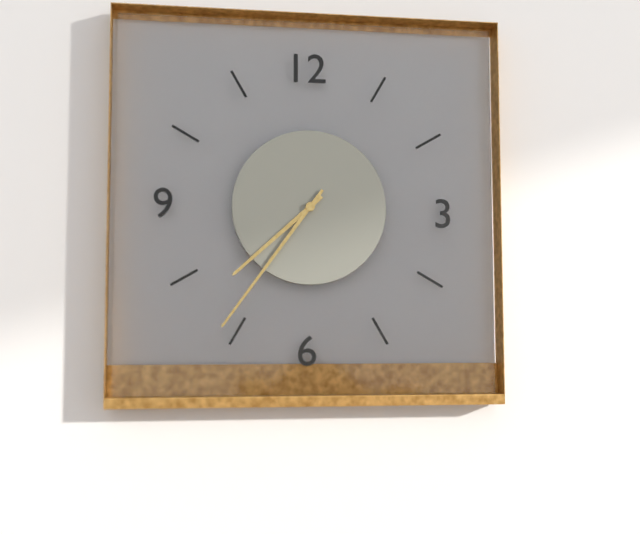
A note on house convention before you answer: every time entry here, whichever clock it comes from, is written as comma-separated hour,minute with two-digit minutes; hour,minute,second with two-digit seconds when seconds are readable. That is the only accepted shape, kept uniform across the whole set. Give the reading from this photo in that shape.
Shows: 7,36
